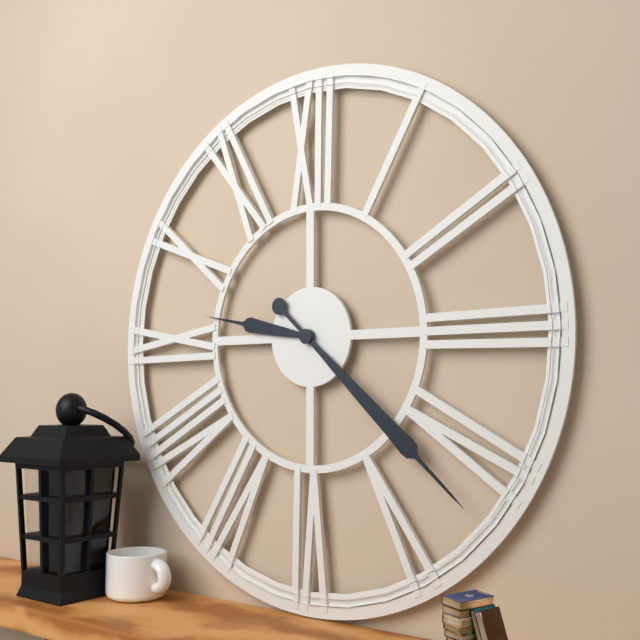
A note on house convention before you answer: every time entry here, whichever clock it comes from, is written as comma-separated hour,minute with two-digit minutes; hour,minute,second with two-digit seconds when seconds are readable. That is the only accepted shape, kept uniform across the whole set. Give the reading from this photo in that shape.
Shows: 9,22
